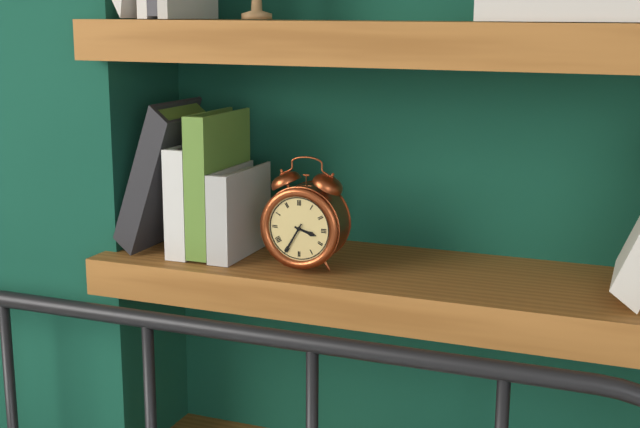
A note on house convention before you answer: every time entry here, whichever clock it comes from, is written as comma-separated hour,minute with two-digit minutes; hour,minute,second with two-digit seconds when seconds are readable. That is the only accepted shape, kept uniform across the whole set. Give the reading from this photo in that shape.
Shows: 3,35
